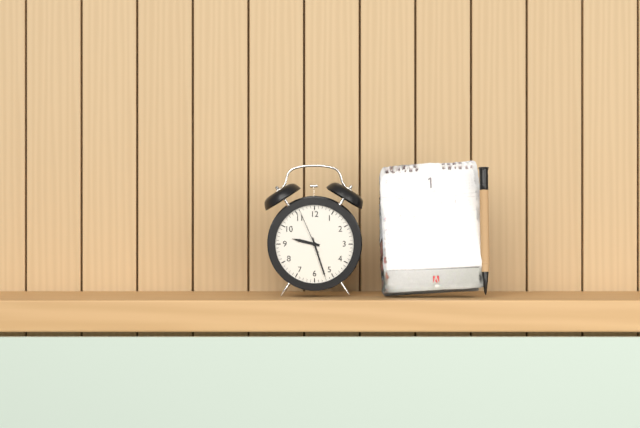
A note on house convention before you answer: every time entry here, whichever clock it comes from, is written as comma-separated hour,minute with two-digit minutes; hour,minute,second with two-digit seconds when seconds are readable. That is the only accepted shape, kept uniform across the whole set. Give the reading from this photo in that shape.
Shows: 9,27
